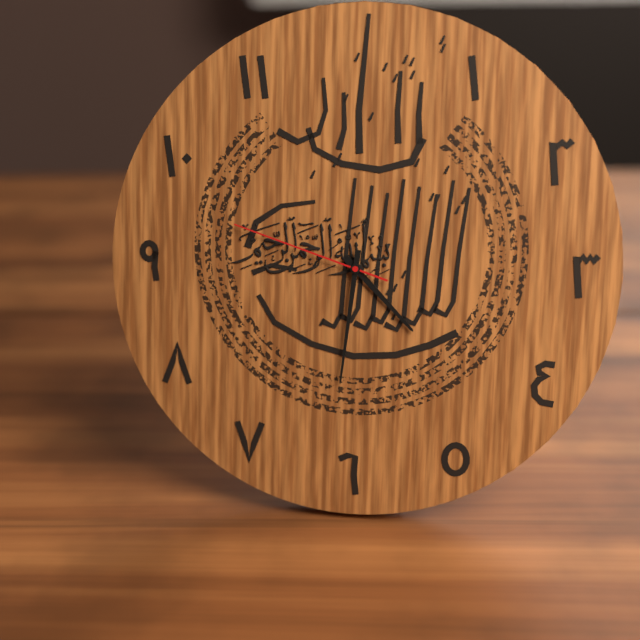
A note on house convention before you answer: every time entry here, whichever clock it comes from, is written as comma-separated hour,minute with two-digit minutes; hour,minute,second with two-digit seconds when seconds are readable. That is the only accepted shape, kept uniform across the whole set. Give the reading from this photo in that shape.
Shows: 4,31,48
